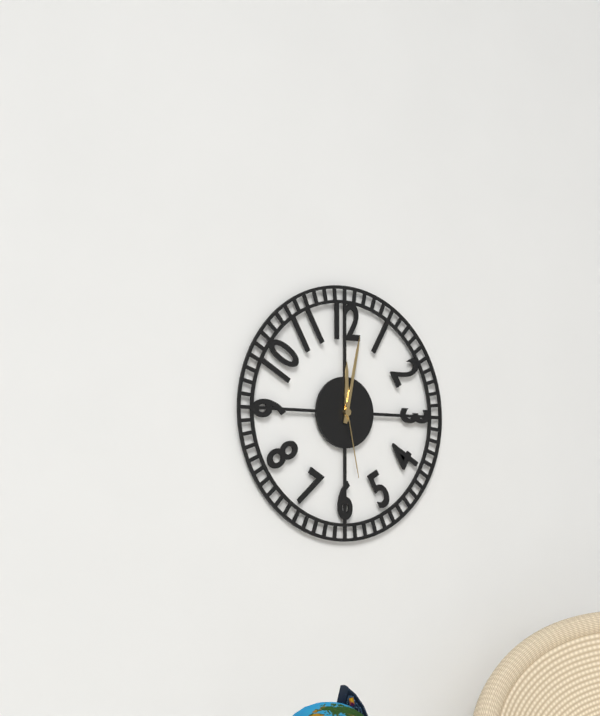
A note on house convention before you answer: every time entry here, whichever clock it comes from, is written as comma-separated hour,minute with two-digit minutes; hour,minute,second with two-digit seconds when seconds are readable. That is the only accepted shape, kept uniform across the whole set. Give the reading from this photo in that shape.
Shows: 12,02,28
